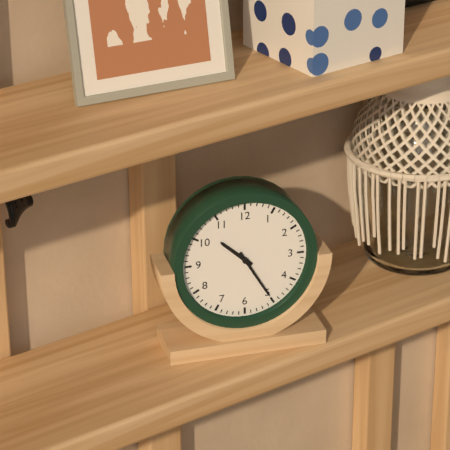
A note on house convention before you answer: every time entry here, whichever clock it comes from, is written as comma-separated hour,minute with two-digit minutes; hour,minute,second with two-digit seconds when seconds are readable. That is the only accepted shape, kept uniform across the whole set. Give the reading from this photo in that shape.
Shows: 10,25
